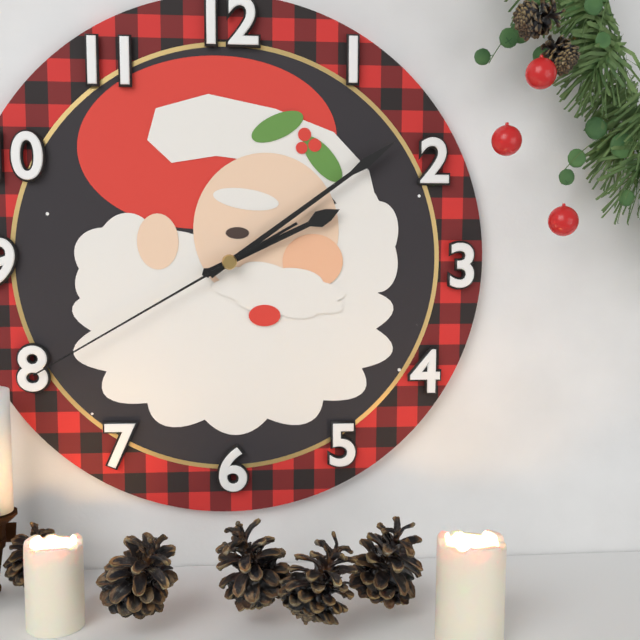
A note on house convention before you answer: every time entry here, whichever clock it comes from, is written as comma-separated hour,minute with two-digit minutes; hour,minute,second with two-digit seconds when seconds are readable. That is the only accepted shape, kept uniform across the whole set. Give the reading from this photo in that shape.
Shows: 2,09,40
